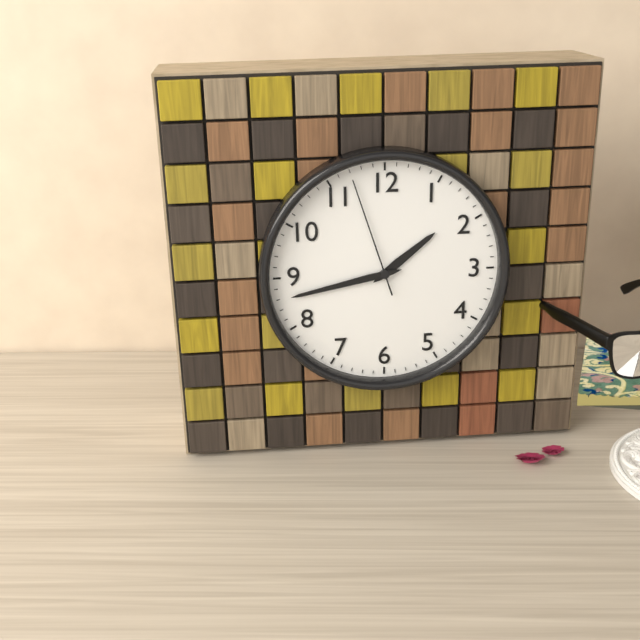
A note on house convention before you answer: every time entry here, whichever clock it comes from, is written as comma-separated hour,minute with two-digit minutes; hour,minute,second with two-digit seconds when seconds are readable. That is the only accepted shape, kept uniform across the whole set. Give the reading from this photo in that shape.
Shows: 1,43,57
